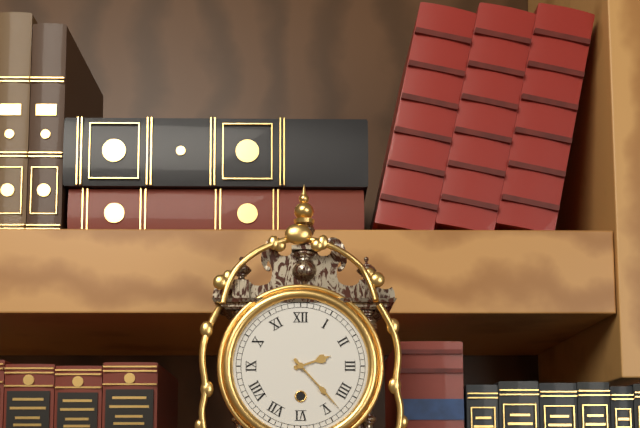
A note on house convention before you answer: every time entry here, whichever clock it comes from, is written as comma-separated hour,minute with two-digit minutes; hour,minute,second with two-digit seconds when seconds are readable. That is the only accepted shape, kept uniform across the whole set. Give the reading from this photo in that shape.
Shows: 2,23
